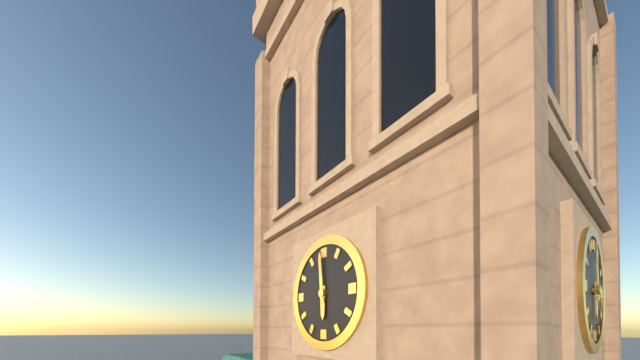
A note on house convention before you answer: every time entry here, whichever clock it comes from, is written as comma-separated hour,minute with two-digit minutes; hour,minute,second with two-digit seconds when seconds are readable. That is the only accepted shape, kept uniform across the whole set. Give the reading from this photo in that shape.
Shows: 5,59
